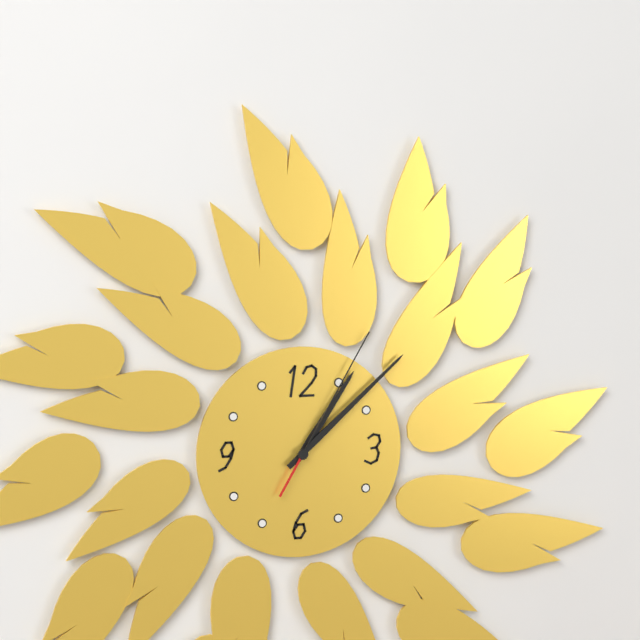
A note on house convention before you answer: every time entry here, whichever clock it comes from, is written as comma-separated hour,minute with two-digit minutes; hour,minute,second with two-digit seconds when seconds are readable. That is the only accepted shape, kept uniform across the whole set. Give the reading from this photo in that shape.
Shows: 1,08,05
